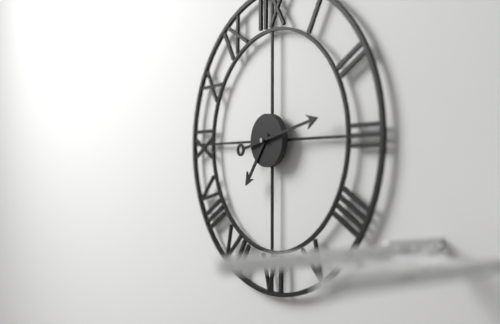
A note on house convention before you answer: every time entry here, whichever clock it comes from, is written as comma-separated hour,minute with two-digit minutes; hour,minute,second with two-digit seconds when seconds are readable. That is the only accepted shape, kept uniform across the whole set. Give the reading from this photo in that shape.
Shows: 7,13
